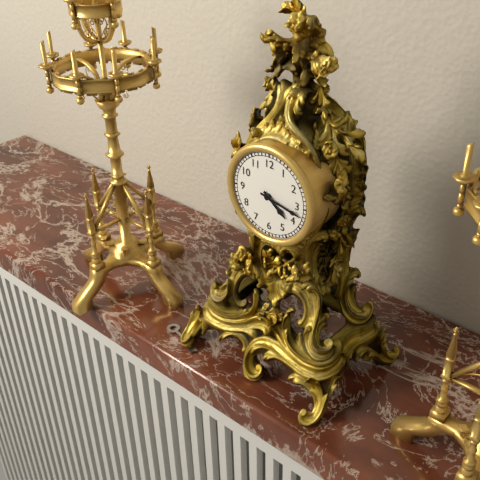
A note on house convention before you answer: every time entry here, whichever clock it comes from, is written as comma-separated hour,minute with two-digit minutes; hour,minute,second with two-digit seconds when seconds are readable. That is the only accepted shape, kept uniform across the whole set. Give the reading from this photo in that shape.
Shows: 4,17
